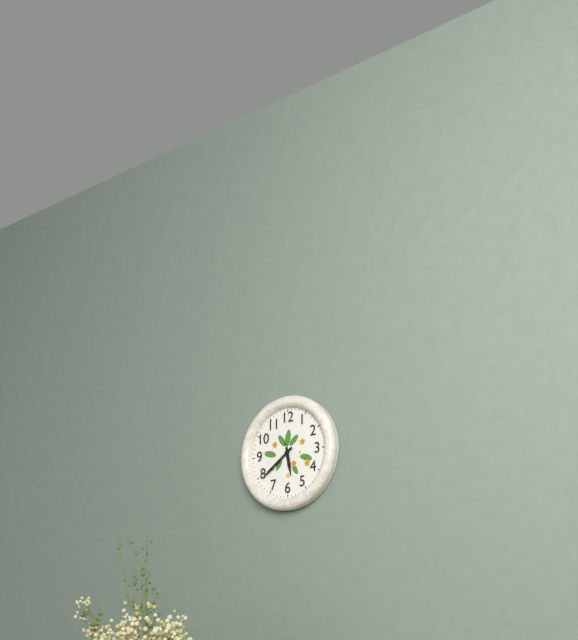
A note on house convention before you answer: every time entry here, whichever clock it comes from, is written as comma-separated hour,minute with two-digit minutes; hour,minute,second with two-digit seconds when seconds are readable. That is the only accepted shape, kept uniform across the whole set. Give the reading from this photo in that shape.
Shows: 5,39
